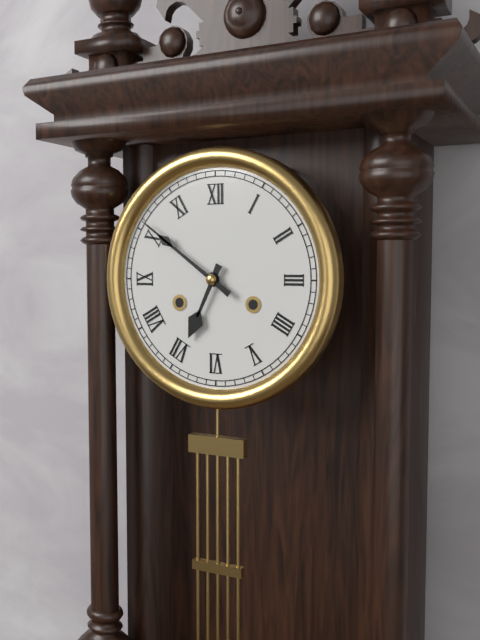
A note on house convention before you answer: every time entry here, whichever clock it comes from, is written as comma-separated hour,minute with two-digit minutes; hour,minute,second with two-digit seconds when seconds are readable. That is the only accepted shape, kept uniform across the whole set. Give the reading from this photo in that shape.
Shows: 6,51
